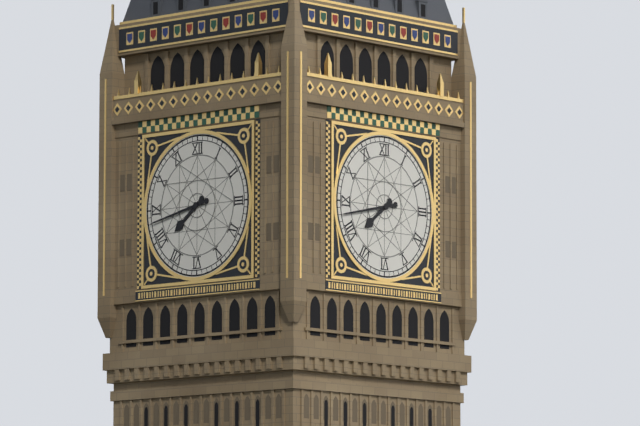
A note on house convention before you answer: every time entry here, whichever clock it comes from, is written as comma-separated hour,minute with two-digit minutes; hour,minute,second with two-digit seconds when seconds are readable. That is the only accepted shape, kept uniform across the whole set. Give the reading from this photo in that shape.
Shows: 7,43
